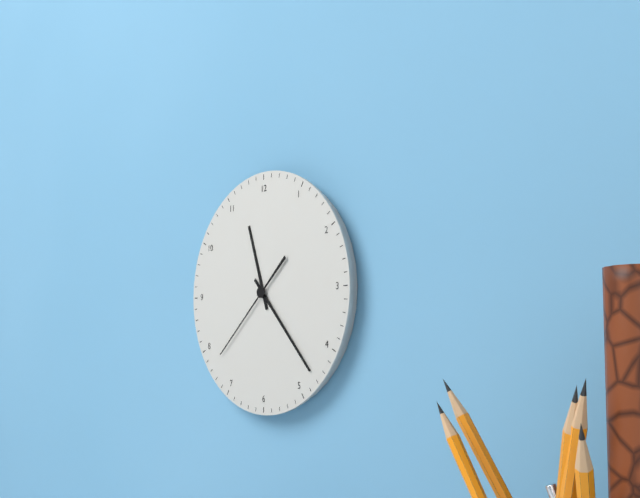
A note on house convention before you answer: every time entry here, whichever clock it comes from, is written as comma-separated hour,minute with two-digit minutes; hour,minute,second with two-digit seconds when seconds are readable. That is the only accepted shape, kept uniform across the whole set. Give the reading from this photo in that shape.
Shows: 11,23,38
